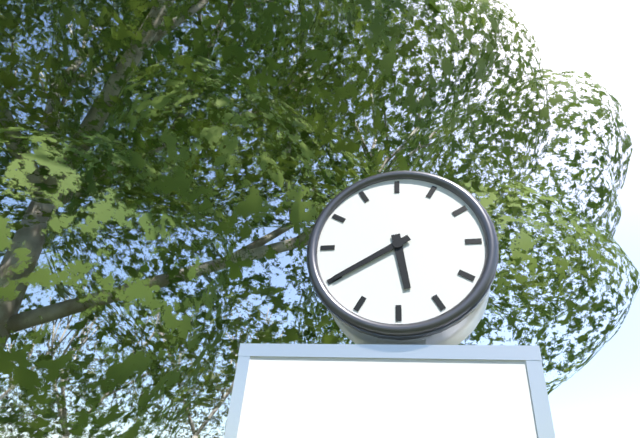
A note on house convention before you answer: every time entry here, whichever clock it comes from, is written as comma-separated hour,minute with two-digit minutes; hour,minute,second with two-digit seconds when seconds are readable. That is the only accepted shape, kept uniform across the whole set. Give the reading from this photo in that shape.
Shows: 5,40
